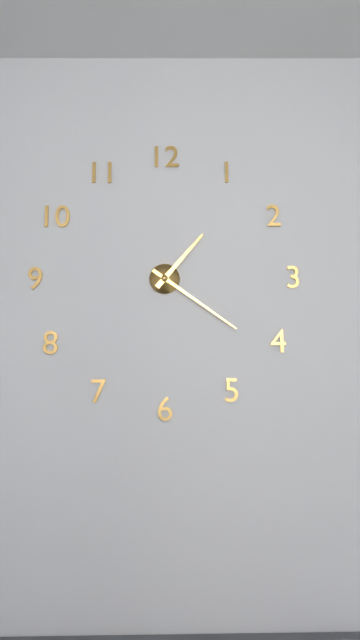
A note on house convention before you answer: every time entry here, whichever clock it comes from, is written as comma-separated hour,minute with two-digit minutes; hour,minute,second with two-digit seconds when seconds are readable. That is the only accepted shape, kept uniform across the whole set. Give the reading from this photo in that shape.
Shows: 1,21
